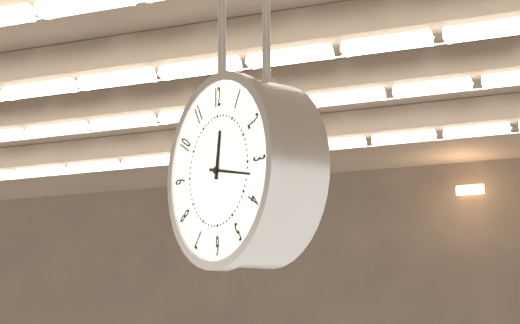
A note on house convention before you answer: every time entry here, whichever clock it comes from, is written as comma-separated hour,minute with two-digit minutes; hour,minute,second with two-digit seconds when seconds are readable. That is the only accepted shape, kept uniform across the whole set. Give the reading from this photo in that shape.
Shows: 12,17
